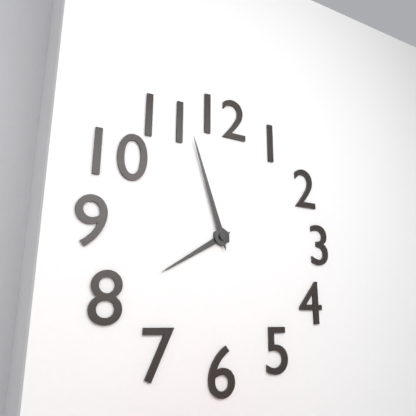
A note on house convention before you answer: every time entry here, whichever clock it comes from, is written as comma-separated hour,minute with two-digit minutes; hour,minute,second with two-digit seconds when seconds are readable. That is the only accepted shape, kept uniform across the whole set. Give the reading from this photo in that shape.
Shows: 7,57
